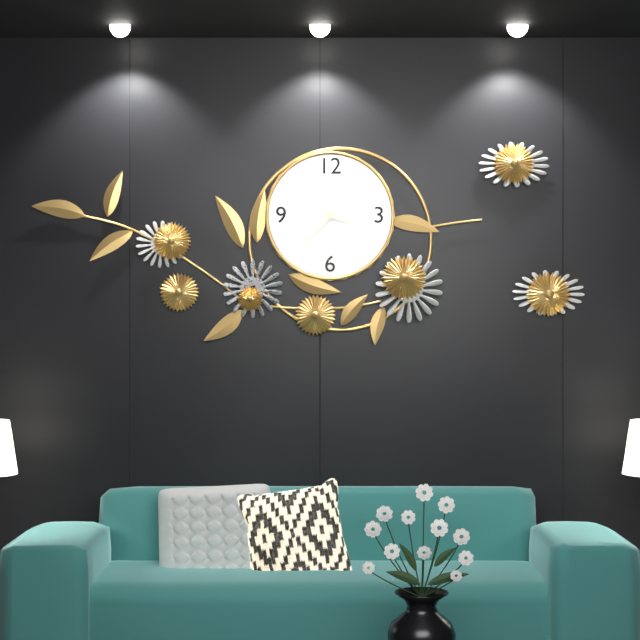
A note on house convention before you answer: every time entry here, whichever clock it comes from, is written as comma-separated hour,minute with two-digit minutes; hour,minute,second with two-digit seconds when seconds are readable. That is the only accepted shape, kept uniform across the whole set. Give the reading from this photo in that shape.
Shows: 3,37
